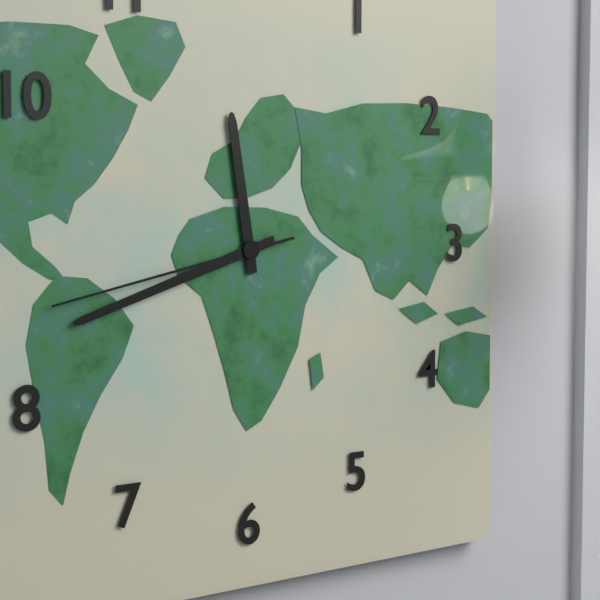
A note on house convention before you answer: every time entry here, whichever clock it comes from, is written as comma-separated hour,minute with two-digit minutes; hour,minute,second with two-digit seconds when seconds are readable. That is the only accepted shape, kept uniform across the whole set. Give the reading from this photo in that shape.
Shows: 11,42,43
